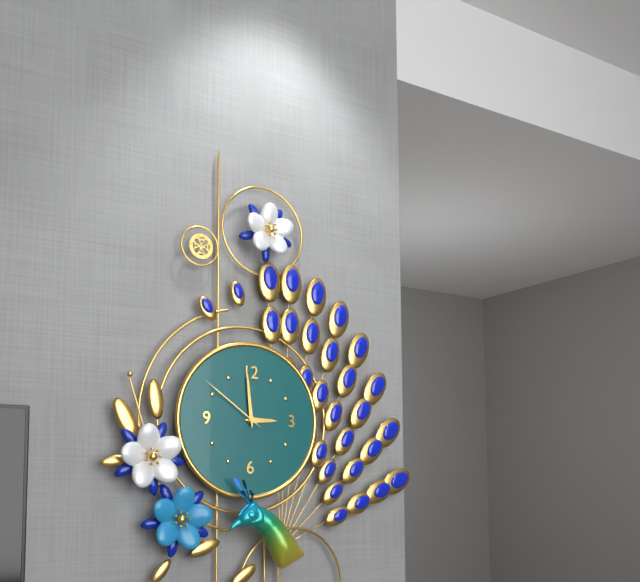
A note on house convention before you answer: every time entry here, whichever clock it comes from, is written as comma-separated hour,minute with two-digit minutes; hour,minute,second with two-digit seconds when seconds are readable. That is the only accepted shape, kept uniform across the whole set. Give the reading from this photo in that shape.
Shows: 2,59,51
